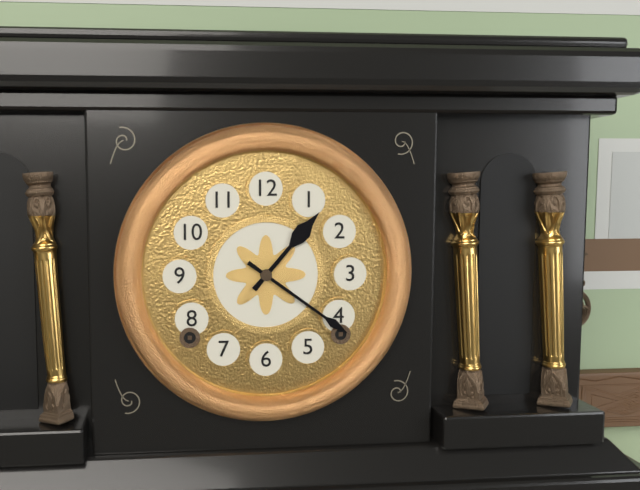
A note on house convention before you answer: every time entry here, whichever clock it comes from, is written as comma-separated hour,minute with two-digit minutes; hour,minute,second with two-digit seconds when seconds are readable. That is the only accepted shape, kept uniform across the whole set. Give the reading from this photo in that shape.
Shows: 1,21
